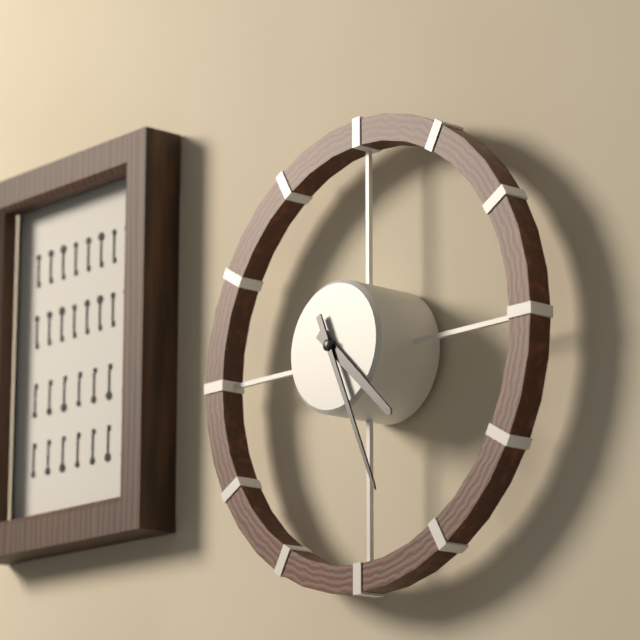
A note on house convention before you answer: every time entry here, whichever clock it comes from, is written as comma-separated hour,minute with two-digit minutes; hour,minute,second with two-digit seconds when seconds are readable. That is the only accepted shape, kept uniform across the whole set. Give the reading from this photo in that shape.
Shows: 4,26
